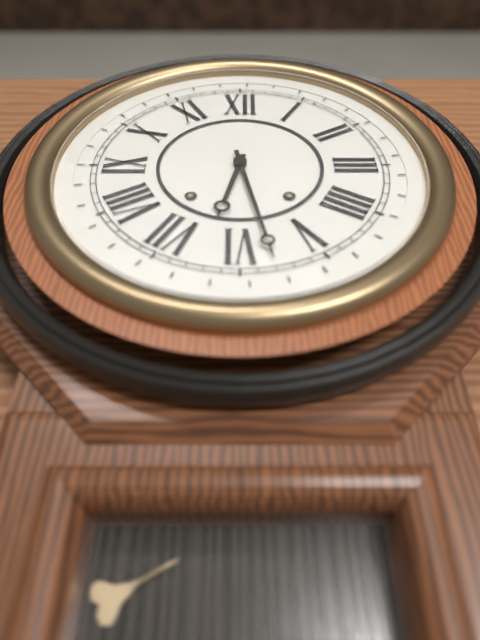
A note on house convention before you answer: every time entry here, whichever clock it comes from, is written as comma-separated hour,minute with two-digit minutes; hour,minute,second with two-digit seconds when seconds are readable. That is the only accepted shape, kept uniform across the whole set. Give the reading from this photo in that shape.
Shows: 6,28
